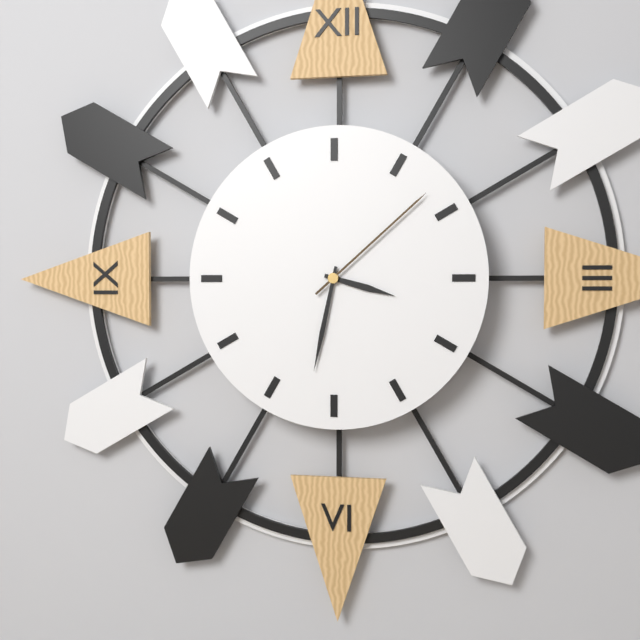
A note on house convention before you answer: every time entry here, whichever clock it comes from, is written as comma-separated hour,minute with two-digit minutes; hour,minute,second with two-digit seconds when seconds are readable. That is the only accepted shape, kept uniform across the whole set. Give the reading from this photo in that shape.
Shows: 3,32,08
